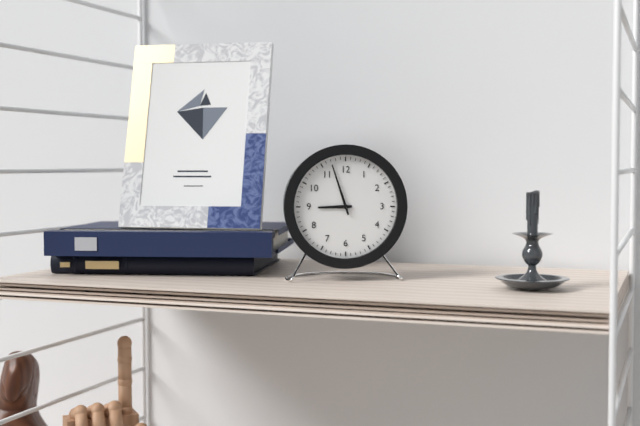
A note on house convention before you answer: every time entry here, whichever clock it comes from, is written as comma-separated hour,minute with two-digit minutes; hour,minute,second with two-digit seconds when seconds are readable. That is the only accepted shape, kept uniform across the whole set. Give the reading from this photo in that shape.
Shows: 8,57
